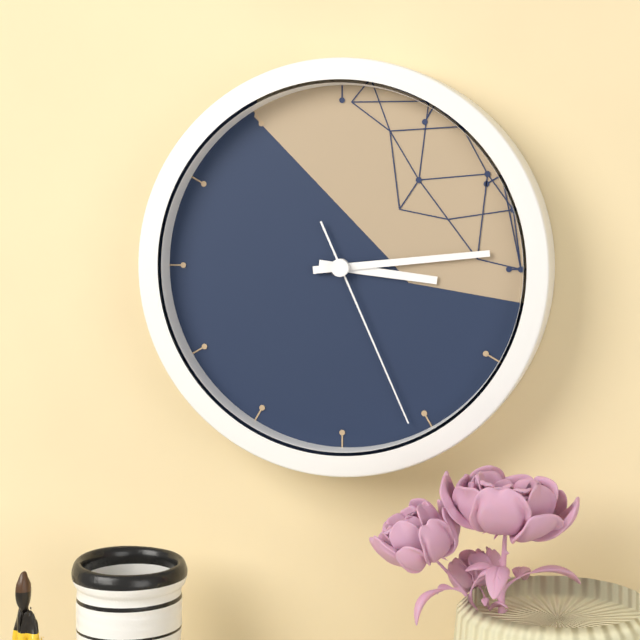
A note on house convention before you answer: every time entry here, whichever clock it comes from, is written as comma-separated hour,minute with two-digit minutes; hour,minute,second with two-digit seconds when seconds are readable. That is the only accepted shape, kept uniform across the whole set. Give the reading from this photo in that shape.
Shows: 3,14,26
